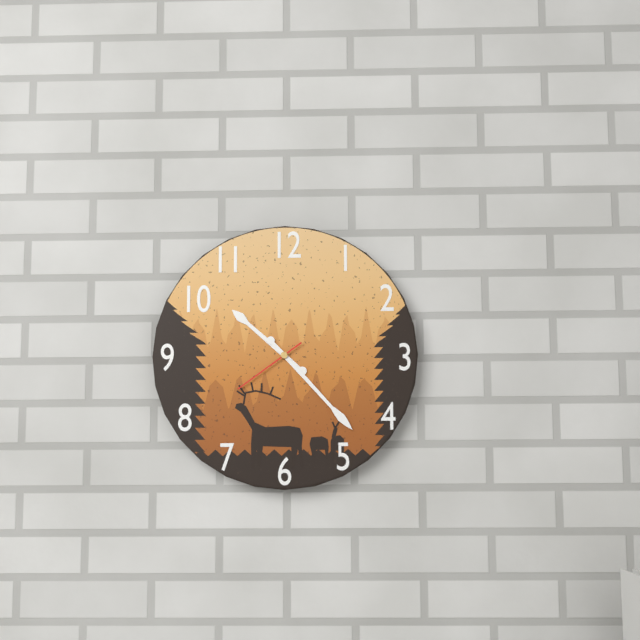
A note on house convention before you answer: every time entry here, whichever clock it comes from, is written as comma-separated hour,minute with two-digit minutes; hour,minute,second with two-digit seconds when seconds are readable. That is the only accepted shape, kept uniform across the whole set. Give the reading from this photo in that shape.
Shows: 10,23,39
